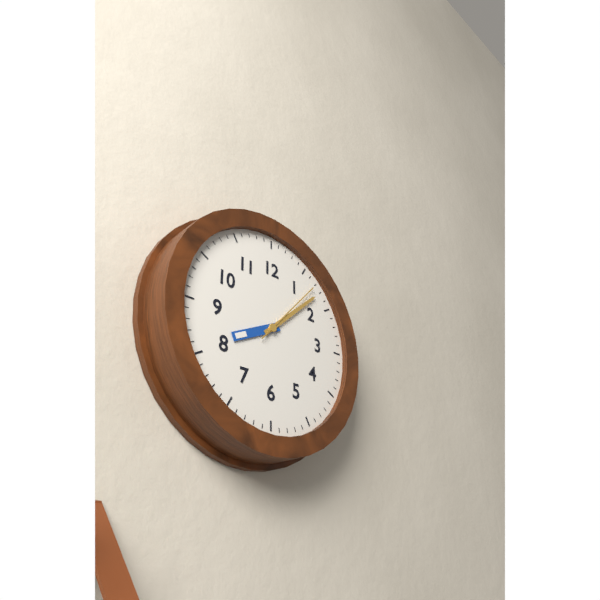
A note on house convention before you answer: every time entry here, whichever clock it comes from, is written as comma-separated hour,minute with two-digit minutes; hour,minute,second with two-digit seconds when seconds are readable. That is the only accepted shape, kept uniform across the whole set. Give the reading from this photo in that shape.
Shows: 8,08,07
